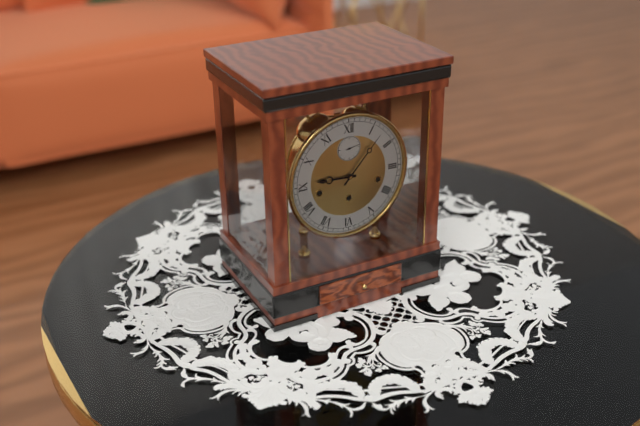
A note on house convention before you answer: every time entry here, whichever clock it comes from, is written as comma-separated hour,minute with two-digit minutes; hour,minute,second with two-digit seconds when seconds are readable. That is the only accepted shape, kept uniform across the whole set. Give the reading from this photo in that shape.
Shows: 9,07
